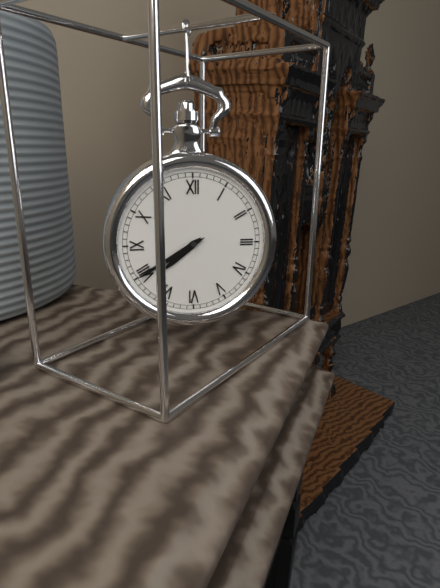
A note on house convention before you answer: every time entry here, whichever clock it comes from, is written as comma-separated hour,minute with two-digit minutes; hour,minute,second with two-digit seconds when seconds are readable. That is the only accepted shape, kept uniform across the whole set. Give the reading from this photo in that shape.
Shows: 7,40
